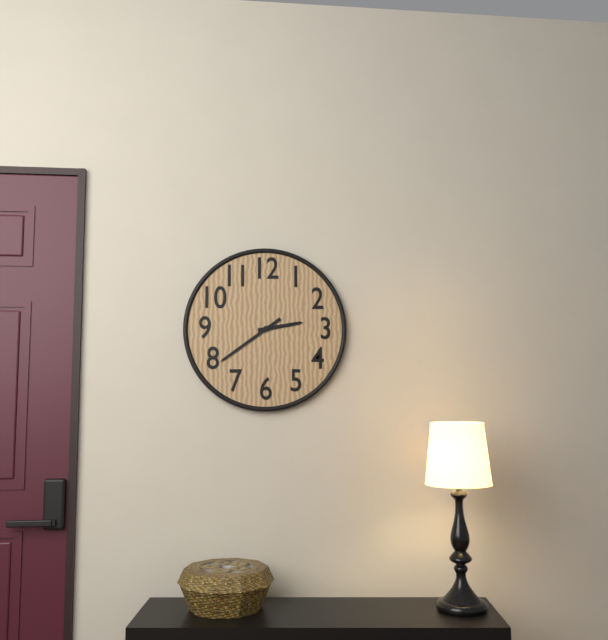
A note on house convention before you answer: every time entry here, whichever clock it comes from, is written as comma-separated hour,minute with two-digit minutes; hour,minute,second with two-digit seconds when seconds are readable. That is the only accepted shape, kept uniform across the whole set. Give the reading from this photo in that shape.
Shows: 2,39
